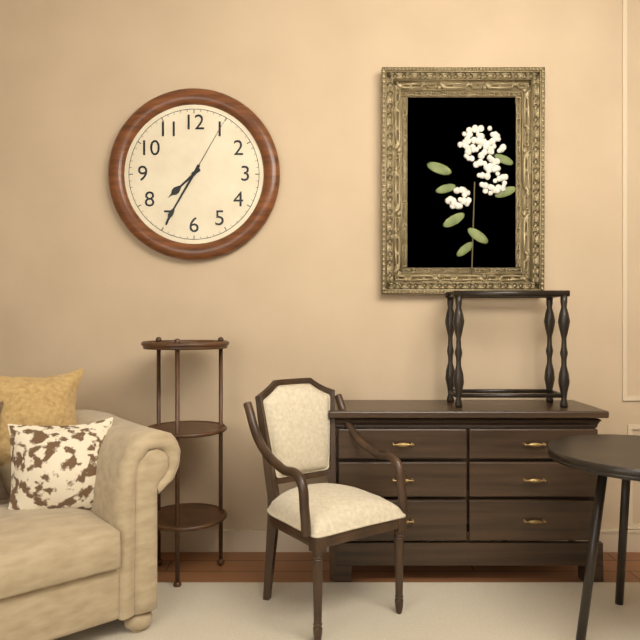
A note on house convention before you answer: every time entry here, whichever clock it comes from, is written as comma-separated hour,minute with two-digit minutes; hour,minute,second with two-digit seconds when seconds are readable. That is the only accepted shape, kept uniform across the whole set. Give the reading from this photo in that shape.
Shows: 7,35,05
